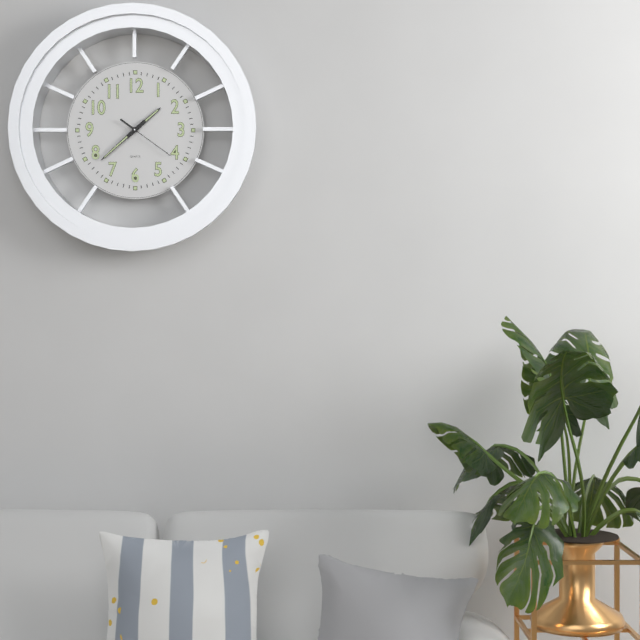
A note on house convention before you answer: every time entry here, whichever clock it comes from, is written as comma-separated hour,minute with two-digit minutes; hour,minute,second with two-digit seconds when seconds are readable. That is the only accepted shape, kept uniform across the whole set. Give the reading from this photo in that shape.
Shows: 1,38,21
